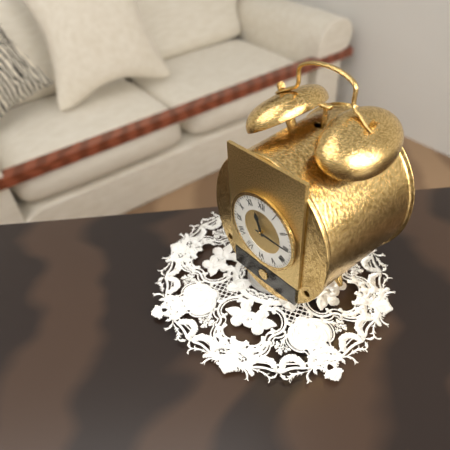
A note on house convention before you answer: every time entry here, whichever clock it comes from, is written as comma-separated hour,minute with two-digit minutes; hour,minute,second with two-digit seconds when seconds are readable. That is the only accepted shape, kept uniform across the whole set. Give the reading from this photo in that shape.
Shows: 11,15
